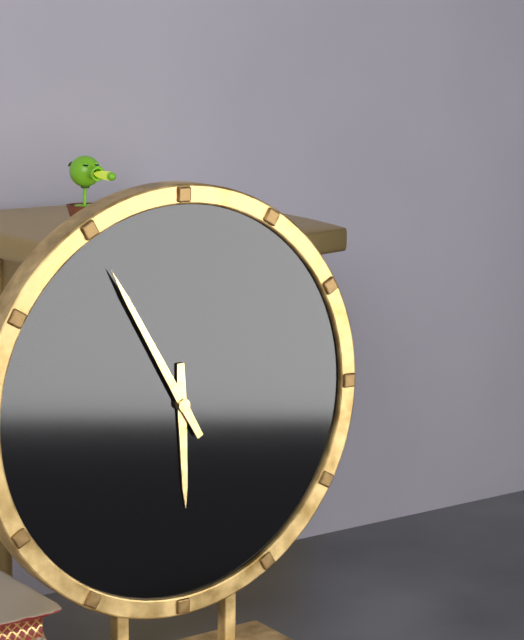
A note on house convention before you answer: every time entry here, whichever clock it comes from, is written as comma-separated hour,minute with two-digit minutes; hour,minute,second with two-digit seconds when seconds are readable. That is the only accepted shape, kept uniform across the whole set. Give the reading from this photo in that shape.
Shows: 5,55
